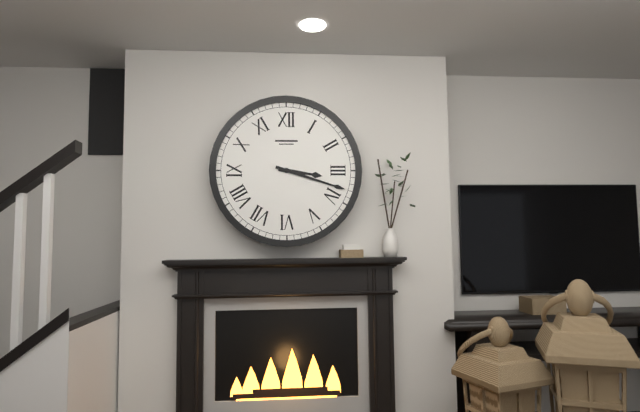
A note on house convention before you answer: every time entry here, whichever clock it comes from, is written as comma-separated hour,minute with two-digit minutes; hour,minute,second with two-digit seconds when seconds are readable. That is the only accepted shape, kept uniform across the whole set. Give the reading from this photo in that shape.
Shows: 3,18
